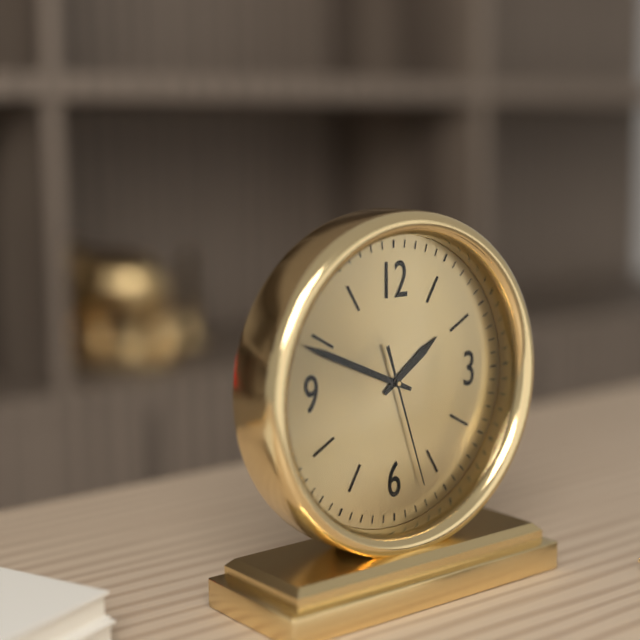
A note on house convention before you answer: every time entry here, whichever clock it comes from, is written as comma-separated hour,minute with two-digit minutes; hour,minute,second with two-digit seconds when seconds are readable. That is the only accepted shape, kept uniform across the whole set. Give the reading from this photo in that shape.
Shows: 1,49,27
